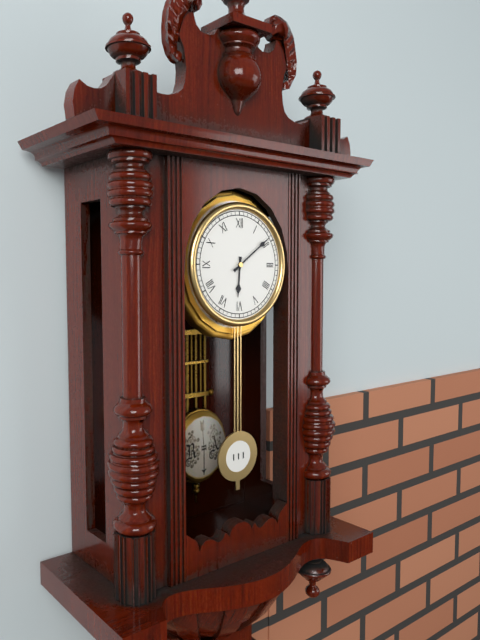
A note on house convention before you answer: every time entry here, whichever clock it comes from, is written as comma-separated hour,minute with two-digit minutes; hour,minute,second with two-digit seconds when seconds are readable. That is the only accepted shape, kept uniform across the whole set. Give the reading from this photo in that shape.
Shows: 6,09
